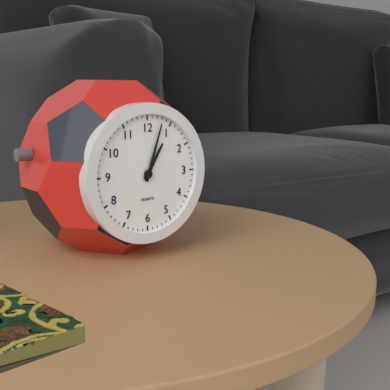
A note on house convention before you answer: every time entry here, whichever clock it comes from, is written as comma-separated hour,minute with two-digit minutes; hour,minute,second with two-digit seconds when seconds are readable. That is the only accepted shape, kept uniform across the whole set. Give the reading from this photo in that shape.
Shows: 1,03
